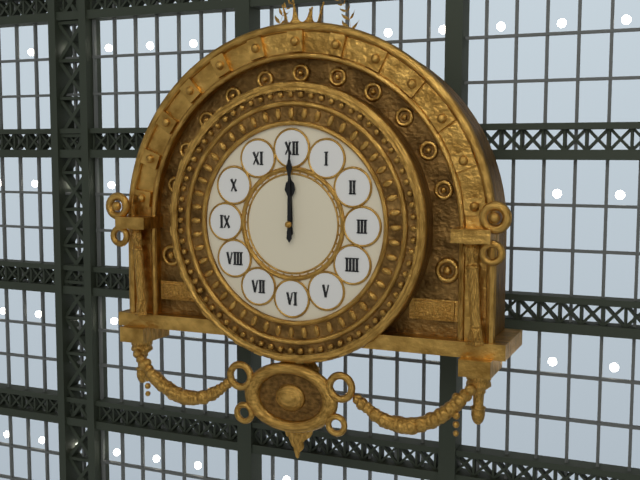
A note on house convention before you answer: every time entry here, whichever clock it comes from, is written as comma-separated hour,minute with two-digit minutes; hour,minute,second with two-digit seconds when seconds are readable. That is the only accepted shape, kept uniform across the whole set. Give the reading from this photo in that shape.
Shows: 12,00
